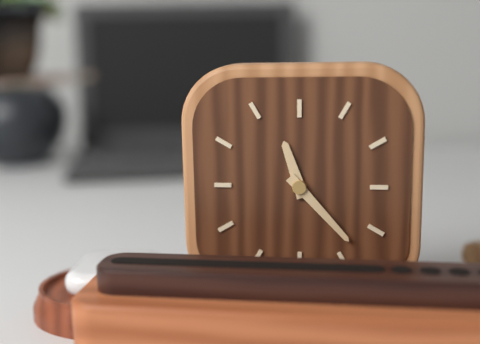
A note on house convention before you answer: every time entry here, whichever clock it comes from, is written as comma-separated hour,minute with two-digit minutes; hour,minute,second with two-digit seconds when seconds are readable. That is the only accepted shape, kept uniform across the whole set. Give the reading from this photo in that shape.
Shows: 11,23
